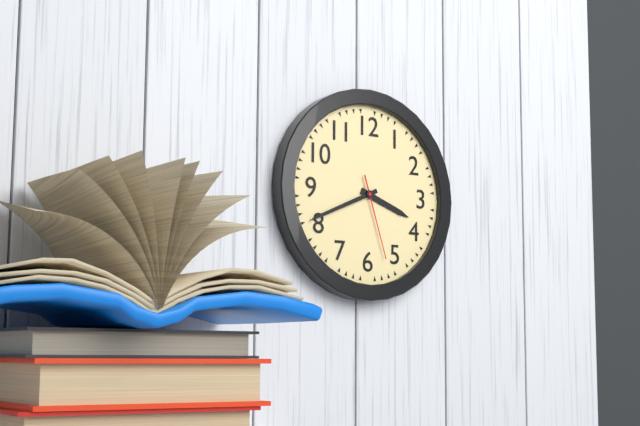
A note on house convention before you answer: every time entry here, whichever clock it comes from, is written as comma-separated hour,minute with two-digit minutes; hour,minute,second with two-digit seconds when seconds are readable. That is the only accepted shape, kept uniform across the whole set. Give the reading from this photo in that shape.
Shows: 3,41,27
